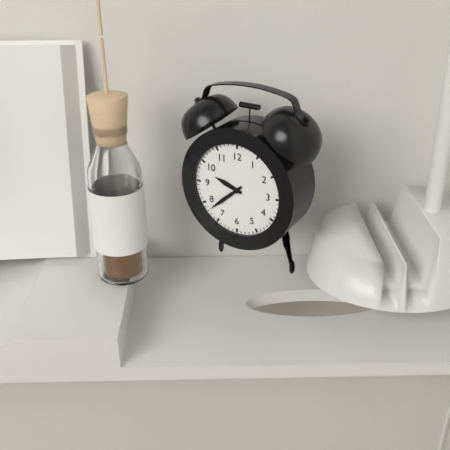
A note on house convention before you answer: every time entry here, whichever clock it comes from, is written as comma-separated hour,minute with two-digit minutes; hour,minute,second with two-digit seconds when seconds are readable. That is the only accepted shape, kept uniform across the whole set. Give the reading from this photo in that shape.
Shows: 9,38
